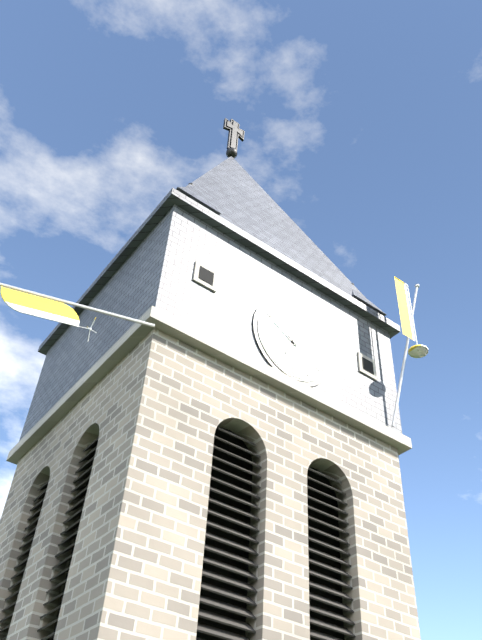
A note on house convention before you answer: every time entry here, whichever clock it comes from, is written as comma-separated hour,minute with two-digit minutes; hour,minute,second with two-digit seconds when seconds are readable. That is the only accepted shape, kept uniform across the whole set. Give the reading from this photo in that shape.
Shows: 6,50
